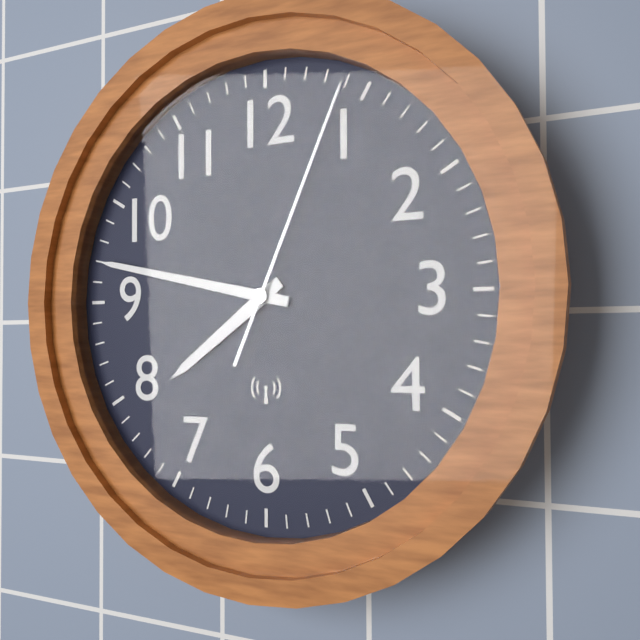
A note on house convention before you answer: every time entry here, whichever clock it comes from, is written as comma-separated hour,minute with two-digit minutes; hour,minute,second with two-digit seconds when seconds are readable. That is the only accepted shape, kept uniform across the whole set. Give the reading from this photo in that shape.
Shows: 7,47,04
